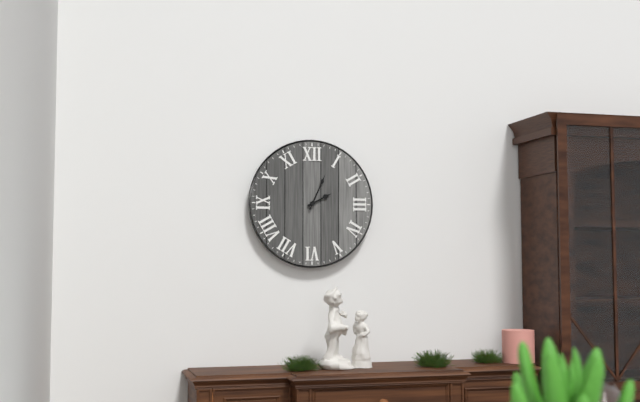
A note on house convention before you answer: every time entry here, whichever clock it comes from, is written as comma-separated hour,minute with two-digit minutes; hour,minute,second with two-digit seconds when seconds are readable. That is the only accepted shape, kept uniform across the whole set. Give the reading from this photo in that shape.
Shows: 2,04
